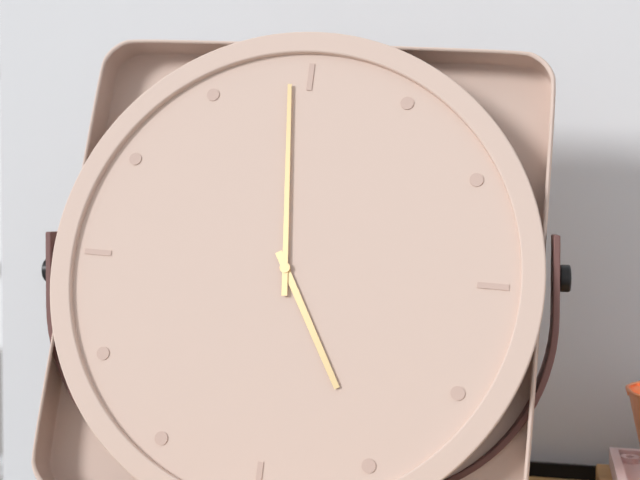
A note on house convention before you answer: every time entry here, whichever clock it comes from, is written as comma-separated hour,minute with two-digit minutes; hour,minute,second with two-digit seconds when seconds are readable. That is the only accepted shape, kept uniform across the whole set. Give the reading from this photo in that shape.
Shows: 4,59
